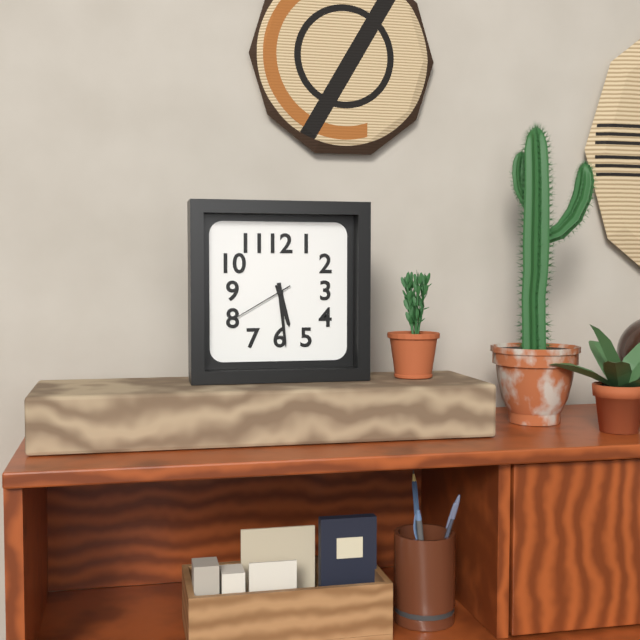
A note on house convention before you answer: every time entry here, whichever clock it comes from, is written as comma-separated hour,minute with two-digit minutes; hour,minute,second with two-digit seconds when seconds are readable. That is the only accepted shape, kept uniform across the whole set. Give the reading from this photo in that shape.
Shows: 5,29,40
